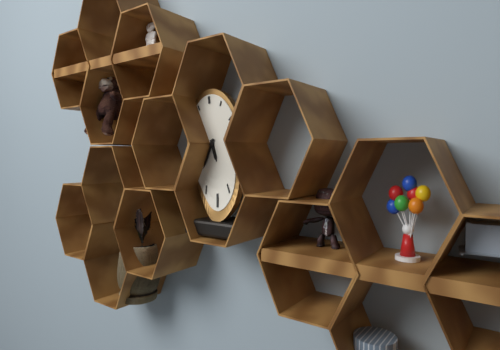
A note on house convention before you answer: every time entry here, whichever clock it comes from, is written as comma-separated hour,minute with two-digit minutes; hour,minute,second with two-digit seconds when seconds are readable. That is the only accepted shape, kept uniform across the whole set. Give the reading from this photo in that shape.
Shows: 5,35
